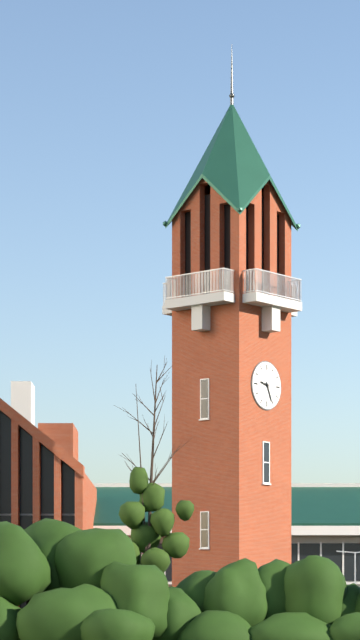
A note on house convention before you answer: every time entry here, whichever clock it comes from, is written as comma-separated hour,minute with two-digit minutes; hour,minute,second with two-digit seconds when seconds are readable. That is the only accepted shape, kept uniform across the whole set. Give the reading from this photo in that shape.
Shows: 9,26
